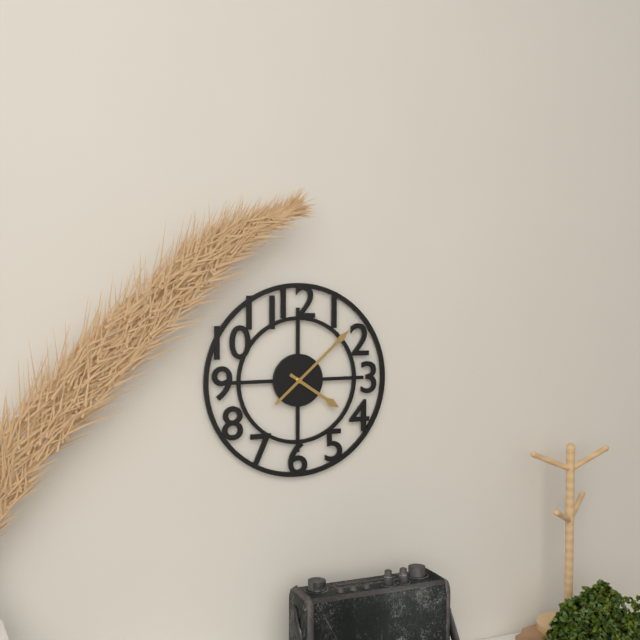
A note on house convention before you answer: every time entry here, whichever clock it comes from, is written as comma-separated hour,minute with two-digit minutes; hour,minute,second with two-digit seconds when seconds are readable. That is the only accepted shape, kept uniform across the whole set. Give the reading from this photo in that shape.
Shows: 4,08
